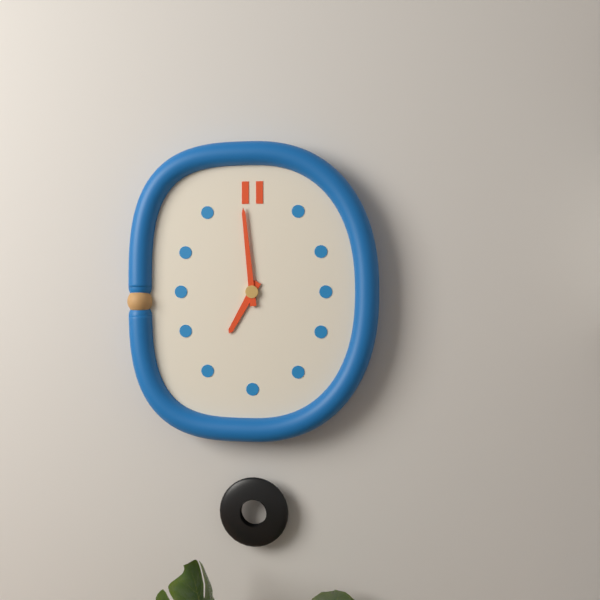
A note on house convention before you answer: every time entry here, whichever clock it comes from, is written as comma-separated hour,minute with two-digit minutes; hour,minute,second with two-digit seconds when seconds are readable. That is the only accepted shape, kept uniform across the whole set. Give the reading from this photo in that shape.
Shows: 6,59
